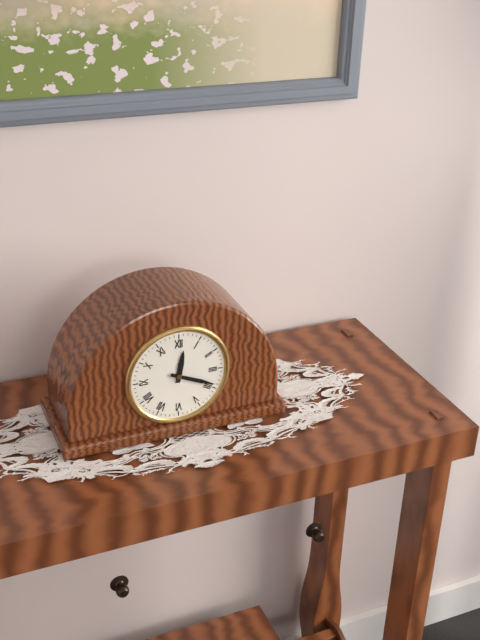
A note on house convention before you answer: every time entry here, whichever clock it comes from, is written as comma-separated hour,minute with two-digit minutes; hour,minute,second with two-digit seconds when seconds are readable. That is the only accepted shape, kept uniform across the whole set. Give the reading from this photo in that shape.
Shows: 12,19
